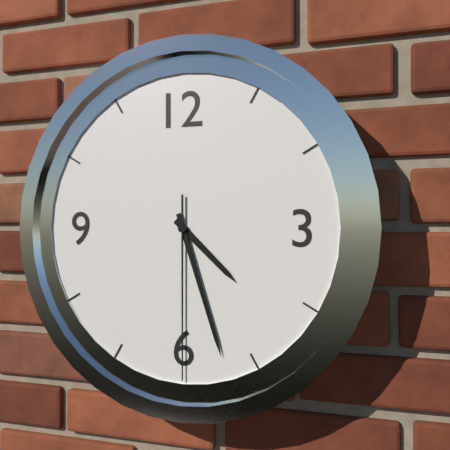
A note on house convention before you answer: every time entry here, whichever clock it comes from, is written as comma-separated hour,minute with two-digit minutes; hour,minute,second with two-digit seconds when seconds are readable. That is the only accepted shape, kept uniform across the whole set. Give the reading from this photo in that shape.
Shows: 4,27,30
